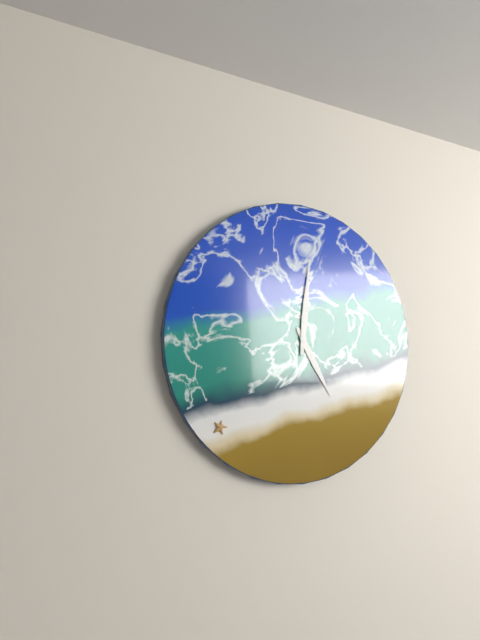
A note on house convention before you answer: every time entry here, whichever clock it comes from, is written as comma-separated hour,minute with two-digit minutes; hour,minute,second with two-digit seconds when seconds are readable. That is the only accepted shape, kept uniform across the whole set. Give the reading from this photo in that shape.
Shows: 5,01
